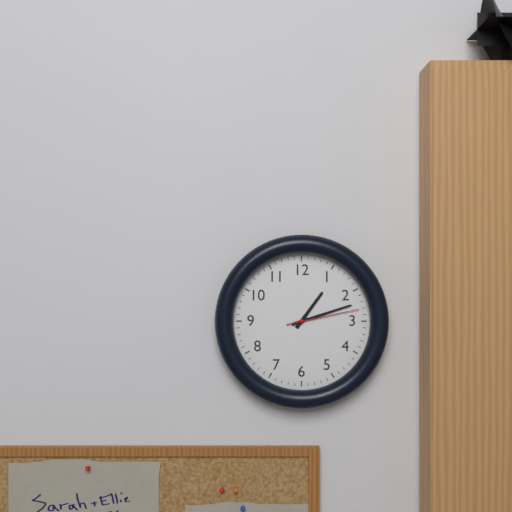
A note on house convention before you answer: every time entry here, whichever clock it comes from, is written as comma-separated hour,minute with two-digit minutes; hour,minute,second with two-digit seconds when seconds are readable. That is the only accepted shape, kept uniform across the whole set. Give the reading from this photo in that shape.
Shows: 1,12,13
